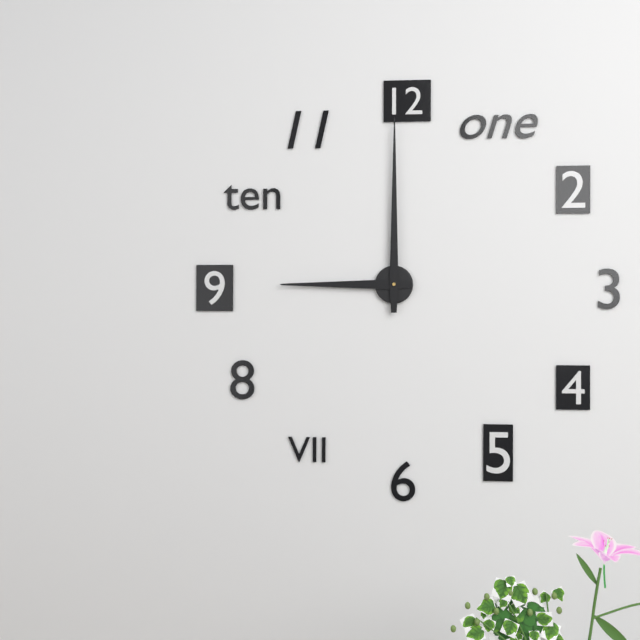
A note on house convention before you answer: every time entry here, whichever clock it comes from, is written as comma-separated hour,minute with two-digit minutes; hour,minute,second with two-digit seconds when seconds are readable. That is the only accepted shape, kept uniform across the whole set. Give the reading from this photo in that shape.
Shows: 9,00
